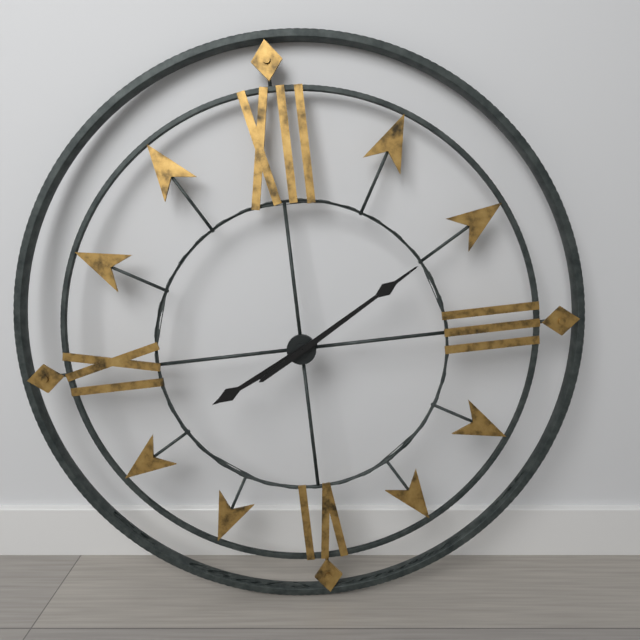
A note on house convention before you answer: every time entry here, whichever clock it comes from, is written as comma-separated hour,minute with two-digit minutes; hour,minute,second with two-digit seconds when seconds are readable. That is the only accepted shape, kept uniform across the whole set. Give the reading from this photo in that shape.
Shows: 8,10
